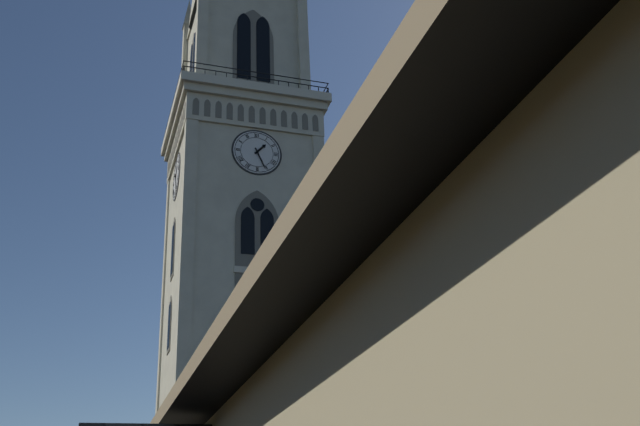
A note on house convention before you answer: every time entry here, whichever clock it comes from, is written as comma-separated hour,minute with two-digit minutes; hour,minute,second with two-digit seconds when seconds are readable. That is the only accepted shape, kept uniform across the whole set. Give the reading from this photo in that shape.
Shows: 1,26
